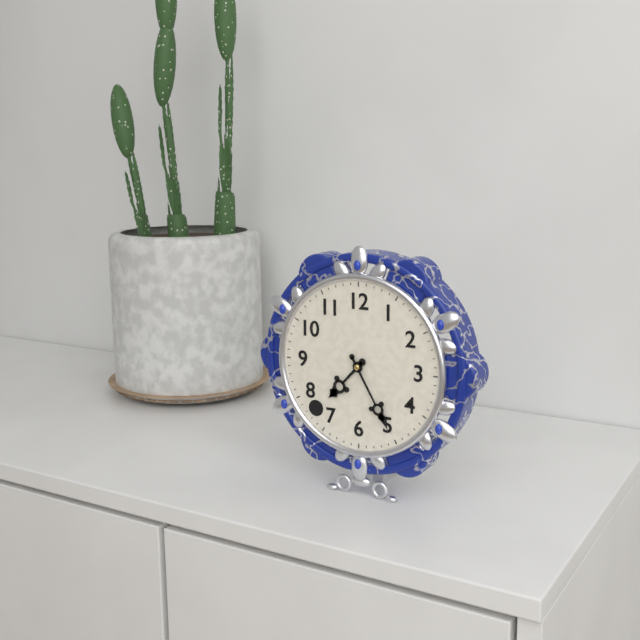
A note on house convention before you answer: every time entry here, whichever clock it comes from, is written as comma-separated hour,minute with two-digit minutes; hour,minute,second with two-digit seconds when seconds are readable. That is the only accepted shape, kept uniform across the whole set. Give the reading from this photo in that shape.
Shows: 7,25
